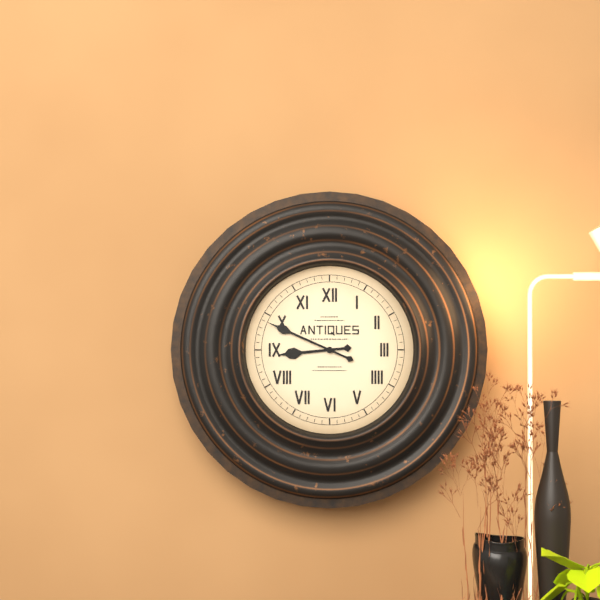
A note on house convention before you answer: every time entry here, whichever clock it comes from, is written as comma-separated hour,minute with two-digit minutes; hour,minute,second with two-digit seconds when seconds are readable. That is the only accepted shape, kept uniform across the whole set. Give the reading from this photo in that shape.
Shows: 8,49
